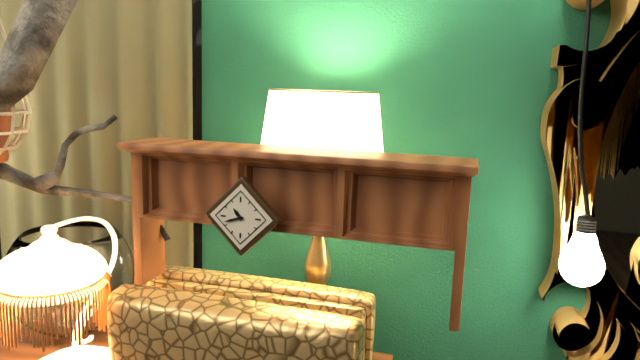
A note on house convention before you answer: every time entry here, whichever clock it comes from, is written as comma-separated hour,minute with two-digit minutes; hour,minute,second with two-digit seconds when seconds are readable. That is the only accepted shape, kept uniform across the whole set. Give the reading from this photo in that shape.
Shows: 10,42
